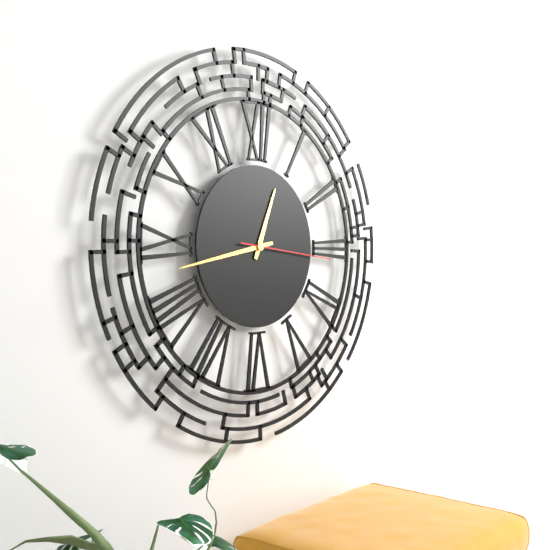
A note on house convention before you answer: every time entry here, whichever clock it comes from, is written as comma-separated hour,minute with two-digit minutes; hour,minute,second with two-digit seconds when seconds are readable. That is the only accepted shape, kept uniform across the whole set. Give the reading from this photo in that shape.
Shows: 12,43,16
